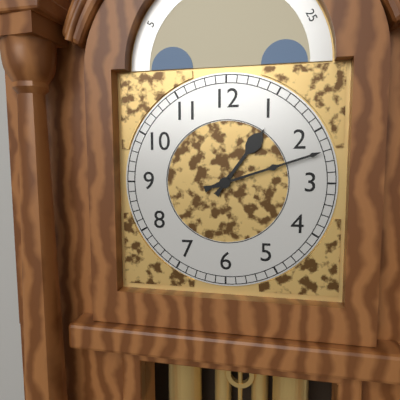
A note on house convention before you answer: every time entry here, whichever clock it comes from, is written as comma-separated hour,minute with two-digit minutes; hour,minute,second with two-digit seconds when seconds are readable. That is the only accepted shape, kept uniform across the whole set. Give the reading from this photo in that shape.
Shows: 1,12
